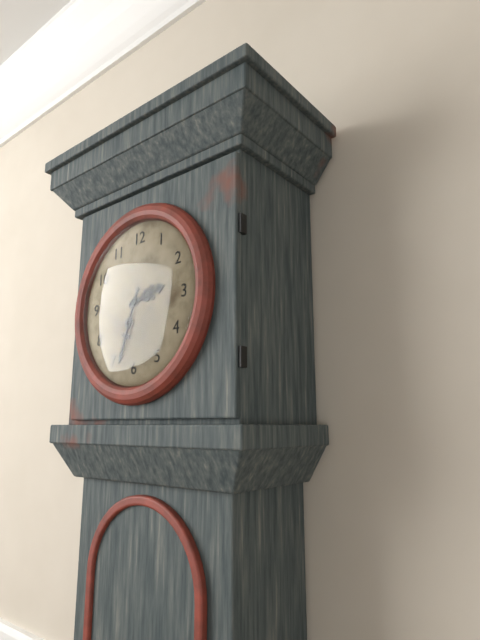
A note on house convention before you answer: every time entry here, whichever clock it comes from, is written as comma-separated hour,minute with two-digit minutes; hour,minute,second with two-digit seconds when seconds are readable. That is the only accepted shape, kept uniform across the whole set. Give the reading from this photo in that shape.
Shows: 2,33
